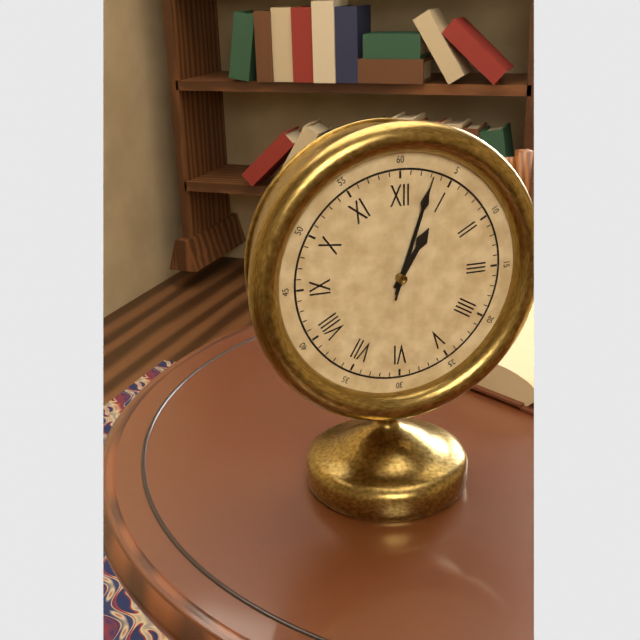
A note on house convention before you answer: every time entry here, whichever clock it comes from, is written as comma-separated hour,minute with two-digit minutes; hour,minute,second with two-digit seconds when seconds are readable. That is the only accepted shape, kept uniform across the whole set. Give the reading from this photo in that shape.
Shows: 1,03,03
